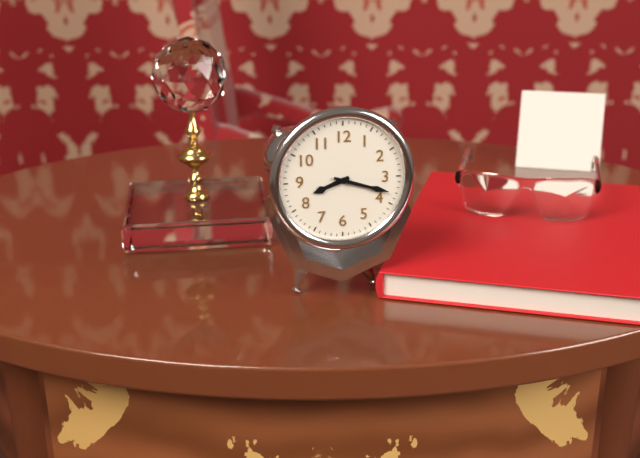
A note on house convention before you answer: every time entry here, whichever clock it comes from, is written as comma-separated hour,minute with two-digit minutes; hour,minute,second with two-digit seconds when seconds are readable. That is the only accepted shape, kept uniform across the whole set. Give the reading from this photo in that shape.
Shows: 8,18
